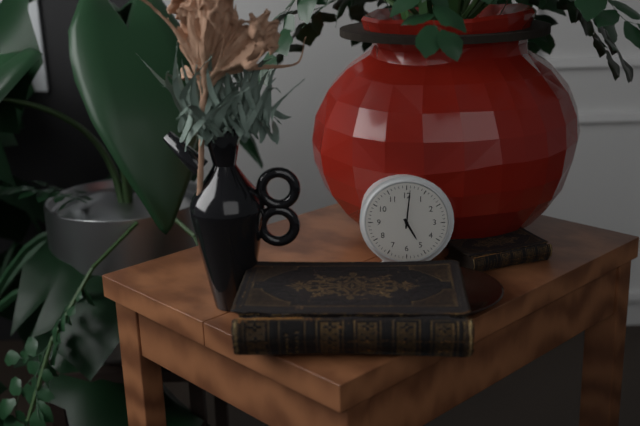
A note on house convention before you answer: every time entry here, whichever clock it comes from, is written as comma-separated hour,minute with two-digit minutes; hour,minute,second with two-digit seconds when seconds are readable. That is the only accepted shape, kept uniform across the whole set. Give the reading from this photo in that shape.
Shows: 5,01
